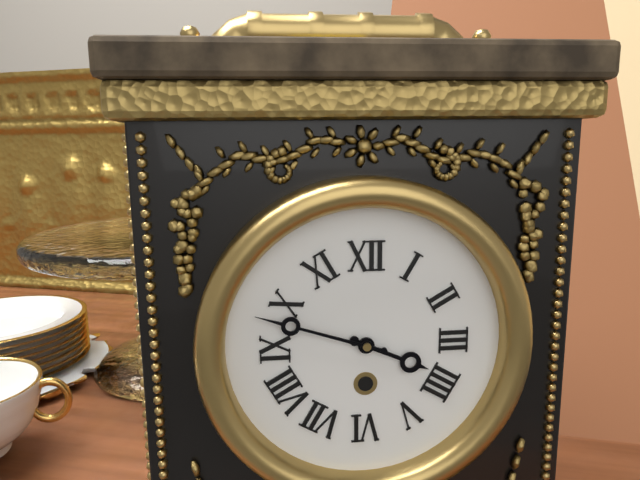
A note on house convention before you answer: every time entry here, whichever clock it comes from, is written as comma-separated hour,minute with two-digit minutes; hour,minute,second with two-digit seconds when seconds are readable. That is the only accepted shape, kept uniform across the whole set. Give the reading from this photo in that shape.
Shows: 3,48
